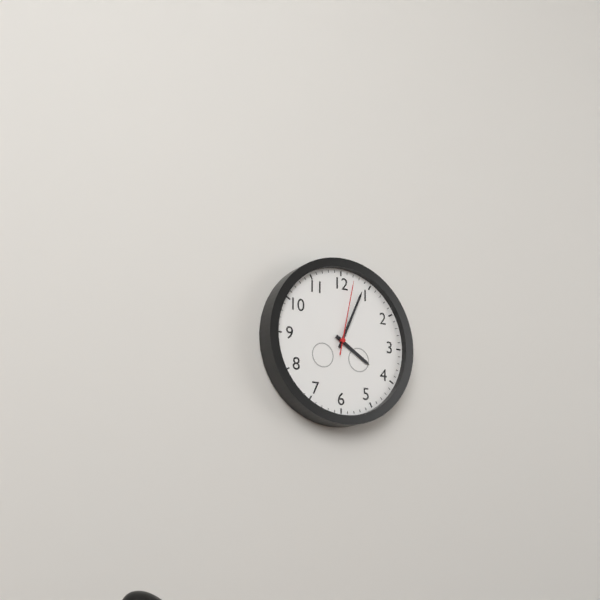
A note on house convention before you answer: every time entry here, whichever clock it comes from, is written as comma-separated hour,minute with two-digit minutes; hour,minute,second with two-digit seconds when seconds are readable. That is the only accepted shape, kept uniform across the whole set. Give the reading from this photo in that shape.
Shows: 4,04,02
